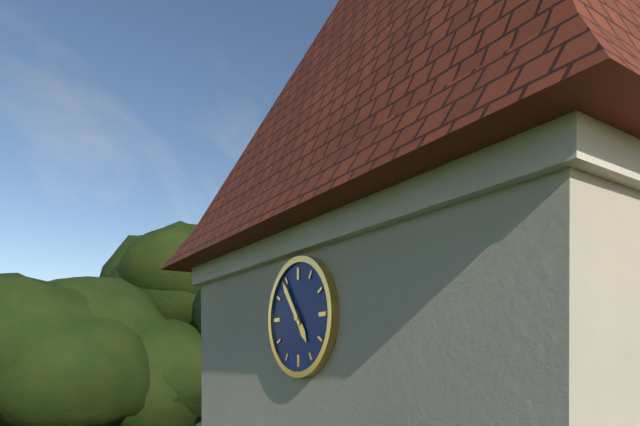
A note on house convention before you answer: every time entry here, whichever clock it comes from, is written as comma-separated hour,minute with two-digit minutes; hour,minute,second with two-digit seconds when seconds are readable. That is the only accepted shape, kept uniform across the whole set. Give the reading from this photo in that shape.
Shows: 4,54
